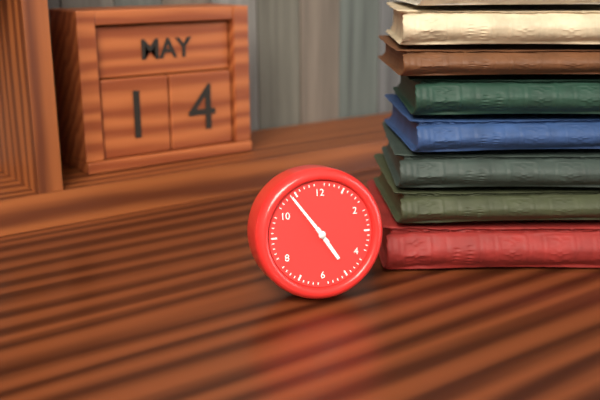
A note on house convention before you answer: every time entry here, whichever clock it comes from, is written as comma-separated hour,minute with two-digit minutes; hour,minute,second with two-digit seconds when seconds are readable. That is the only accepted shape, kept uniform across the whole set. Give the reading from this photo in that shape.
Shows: 4,54
